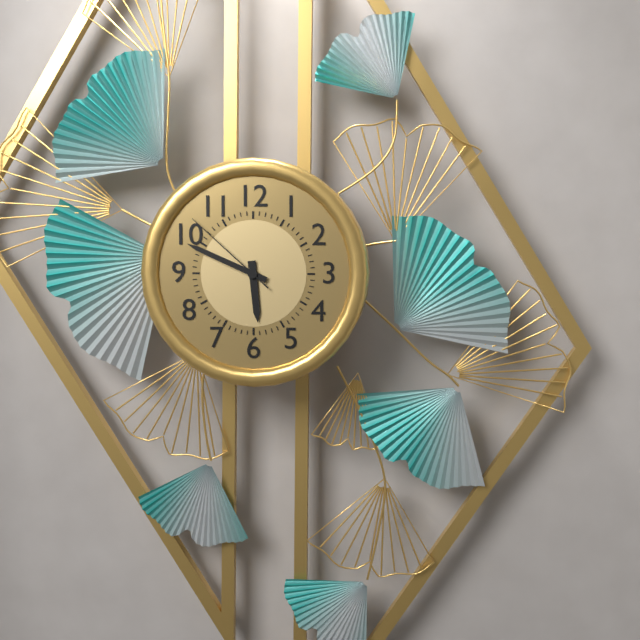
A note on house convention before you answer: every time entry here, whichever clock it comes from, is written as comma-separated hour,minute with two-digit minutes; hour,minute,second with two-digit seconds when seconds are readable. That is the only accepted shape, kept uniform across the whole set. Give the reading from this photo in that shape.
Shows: 5,49,52
